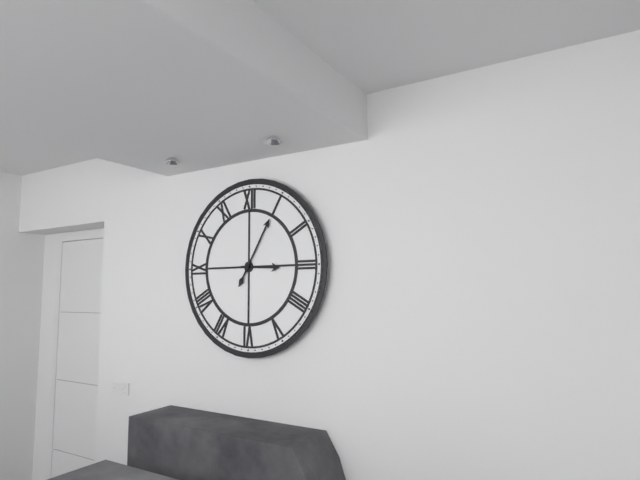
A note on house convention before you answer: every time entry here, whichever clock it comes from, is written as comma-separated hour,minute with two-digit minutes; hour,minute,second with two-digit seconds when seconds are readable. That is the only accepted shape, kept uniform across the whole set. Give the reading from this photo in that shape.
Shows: 3,05
